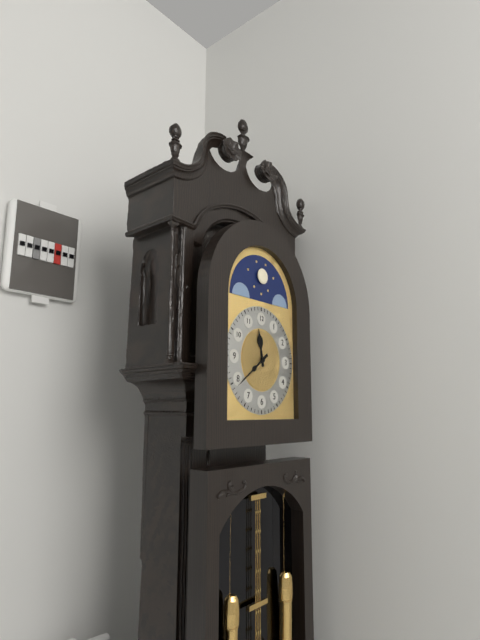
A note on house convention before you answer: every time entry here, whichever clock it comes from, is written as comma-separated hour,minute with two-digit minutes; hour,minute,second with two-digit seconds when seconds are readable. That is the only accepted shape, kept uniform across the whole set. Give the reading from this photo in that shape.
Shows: 11,39
